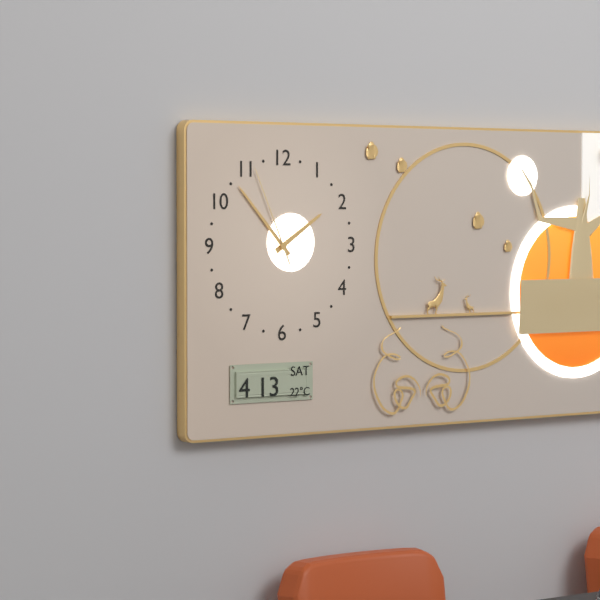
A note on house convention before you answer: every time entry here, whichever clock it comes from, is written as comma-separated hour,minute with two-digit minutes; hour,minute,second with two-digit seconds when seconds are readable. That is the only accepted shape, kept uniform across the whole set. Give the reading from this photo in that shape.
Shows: 1,53,56
